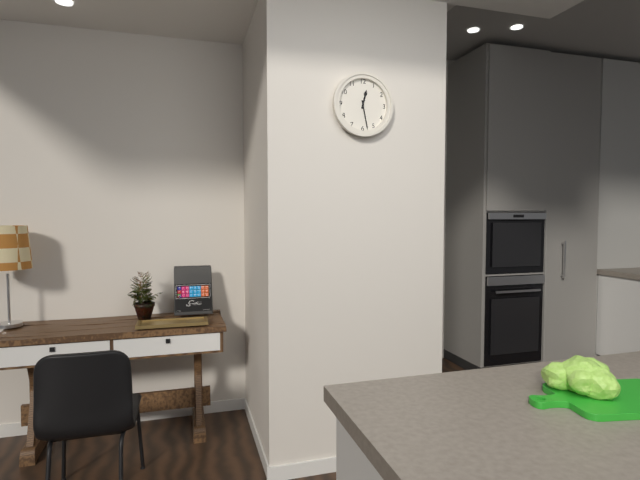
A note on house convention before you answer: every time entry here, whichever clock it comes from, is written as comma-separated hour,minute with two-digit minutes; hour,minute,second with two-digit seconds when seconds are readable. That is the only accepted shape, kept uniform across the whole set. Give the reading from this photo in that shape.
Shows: 12,28
